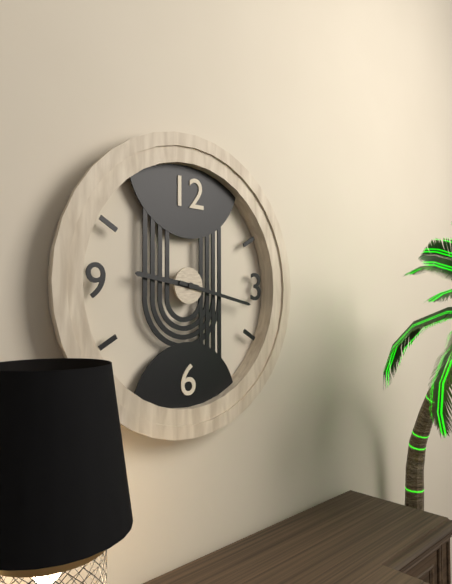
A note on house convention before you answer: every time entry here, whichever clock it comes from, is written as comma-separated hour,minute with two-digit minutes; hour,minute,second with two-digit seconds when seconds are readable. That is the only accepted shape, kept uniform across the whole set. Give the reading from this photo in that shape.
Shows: 9,17
